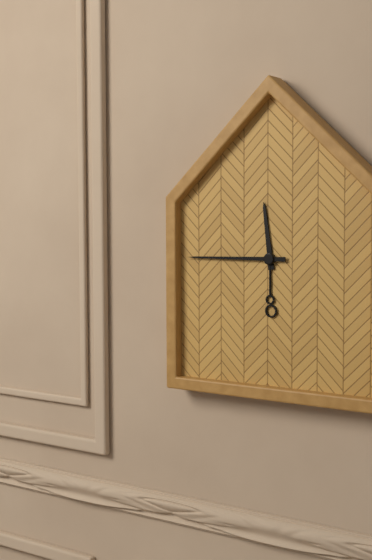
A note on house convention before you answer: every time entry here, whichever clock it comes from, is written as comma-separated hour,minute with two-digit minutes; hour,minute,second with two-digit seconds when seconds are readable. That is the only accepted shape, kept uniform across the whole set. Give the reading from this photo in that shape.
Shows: 11,45
